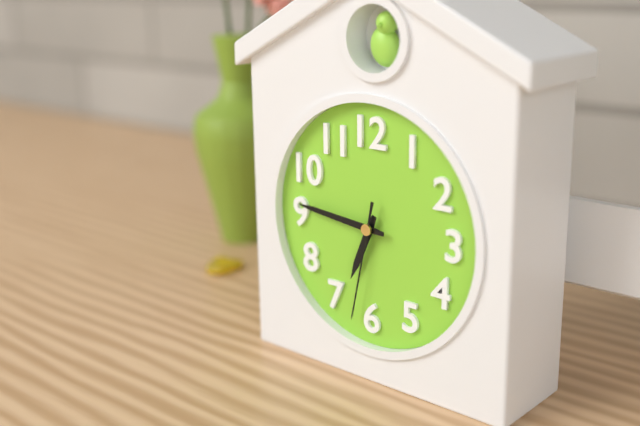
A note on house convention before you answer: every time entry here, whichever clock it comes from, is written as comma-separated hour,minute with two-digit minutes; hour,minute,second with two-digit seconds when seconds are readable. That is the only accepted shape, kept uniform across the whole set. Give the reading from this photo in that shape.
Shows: 6,46,32
